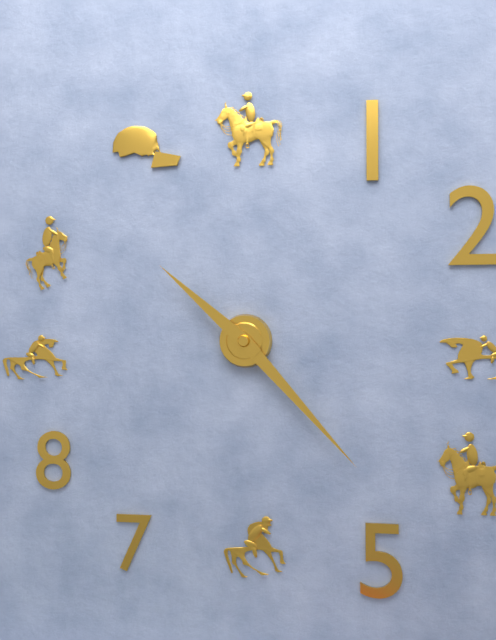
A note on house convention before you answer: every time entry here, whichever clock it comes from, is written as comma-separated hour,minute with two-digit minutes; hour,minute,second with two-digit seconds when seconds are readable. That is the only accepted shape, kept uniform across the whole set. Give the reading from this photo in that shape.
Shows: 10,23
